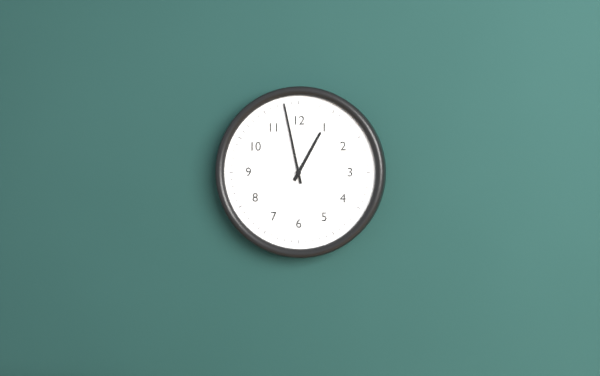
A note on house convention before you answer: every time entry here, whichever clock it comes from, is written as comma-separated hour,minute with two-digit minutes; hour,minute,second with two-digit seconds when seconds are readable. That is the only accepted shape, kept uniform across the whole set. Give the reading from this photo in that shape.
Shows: 12,58
